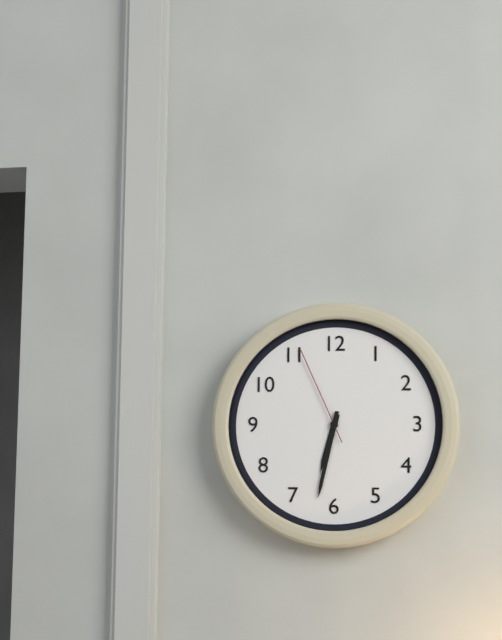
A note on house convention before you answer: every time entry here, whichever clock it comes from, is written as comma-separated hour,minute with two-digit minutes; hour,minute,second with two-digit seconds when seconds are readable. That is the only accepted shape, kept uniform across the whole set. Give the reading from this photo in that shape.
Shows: 6,32,56
